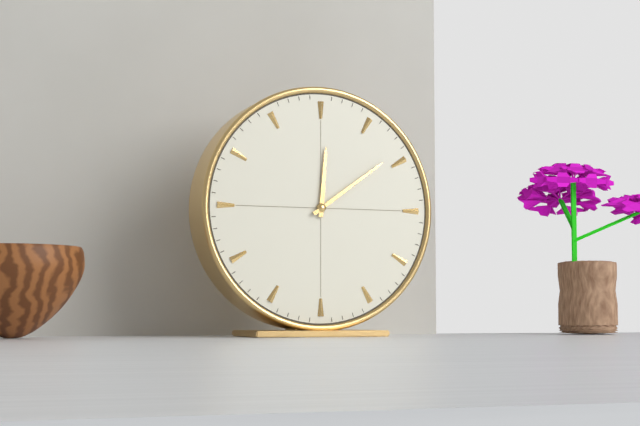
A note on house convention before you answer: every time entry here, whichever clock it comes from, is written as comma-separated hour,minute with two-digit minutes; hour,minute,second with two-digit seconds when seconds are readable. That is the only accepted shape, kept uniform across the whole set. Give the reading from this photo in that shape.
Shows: 12,09
